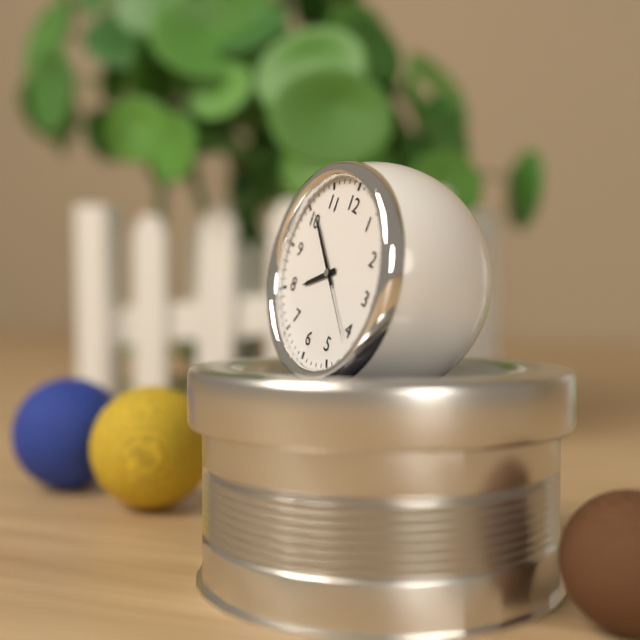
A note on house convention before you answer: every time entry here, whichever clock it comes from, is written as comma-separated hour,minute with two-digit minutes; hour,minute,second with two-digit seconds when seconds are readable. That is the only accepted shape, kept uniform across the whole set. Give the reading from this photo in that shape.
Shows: 7,51,21
